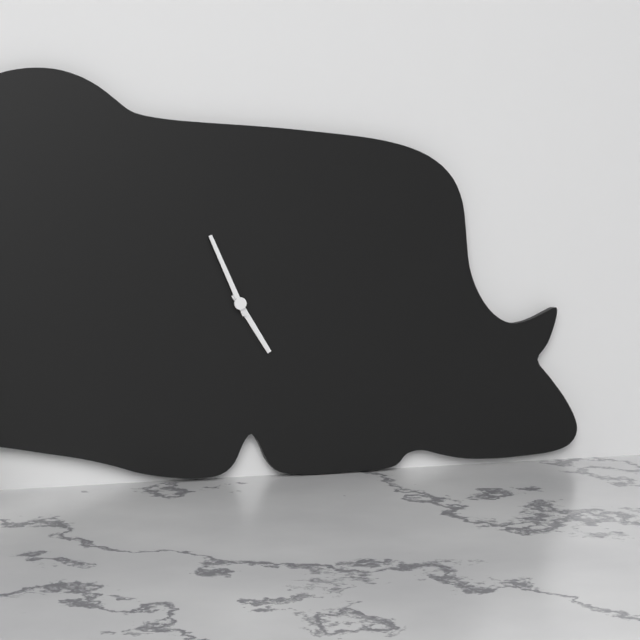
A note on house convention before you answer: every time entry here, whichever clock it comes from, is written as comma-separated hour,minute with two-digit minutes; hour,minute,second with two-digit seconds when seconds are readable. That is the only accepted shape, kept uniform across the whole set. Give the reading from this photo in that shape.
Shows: 4,56
